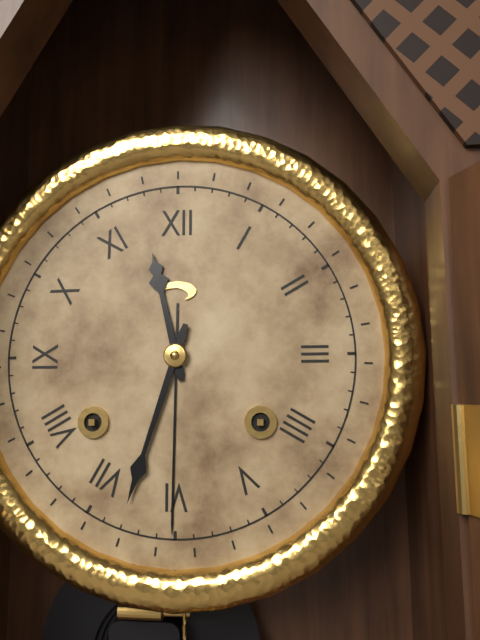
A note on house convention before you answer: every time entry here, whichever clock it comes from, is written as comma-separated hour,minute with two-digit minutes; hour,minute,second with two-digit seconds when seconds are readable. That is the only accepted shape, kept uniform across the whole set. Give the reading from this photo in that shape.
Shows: 11,33
